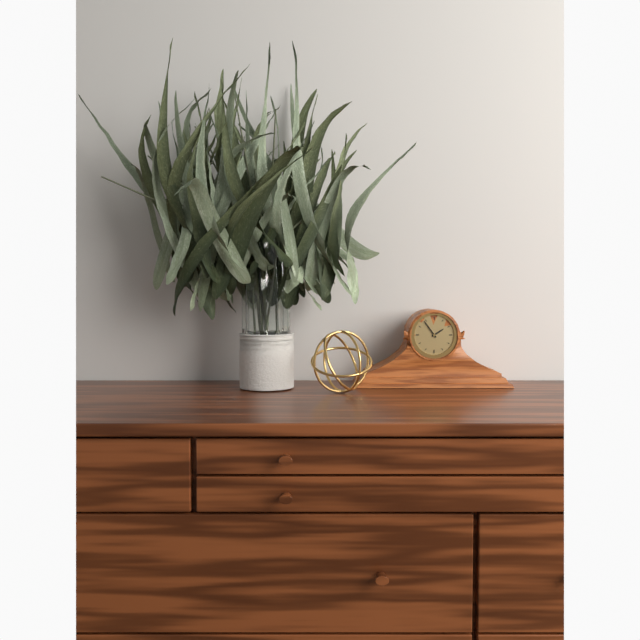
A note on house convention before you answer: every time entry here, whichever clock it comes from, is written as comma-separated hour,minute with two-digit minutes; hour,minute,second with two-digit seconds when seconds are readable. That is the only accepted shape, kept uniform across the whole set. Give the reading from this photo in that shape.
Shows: 1,54
